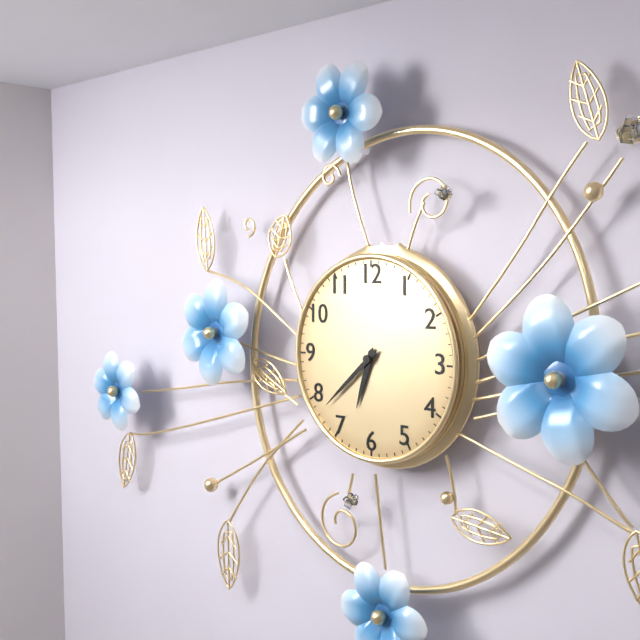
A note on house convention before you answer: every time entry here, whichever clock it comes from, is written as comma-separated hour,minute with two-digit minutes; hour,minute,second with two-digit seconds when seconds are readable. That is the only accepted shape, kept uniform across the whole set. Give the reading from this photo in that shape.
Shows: 6,38
